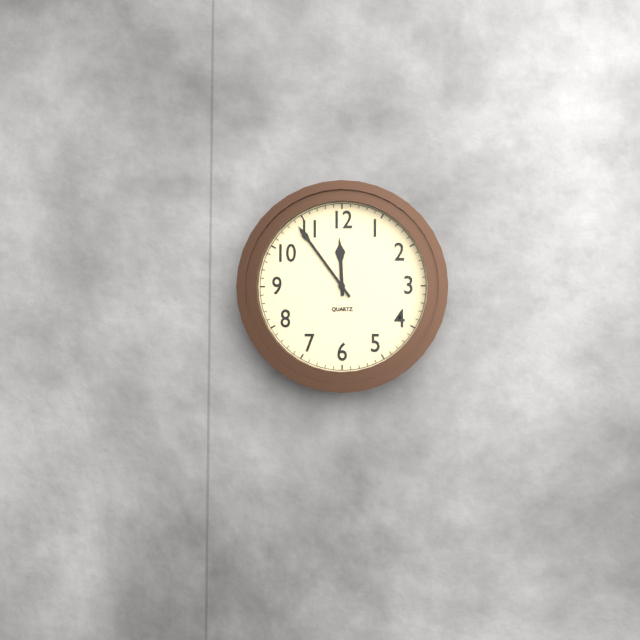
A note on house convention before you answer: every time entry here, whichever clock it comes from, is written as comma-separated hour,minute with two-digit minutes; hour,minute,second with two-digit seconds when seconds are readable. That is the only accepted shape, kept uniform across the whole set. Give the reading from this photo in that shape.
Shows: 11,54
